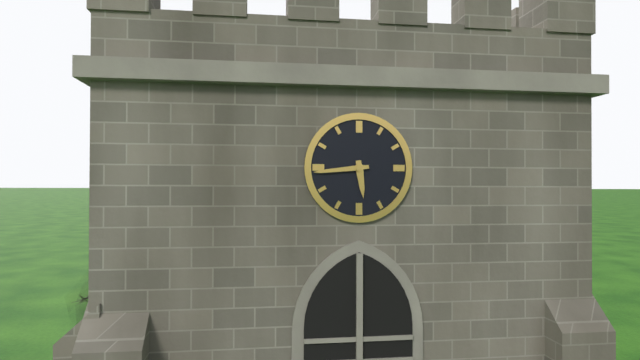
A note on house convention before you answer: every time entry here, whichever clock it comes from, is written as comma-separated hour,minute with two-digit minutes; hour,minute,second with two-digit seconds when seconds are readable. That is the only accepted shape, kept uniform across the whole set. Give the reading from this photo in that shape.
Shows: 5,44
